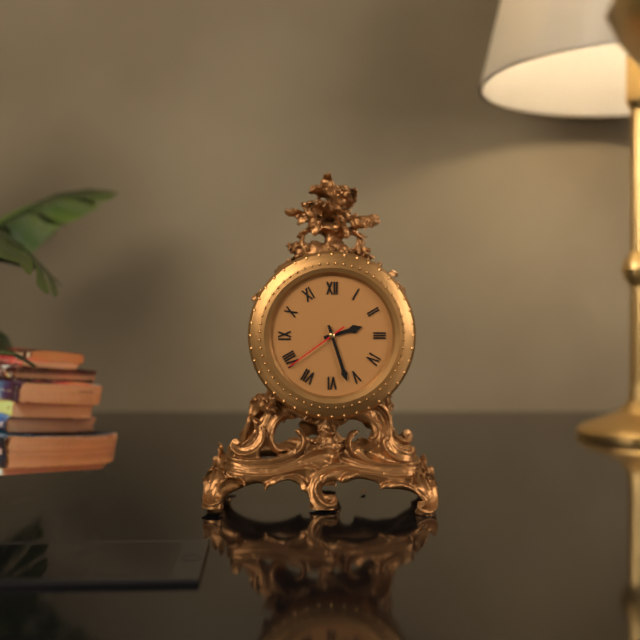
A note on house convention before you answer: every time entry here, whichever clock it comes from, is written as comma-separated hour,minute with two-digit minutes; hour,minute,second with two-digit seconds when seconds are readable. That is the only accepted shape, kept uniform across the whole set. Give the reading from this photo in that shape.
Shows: 2,27,39
